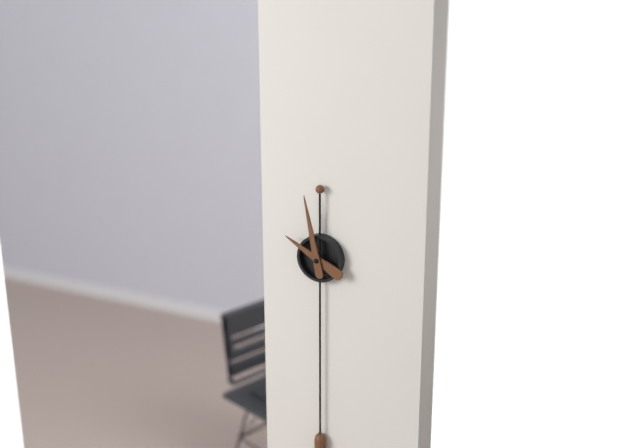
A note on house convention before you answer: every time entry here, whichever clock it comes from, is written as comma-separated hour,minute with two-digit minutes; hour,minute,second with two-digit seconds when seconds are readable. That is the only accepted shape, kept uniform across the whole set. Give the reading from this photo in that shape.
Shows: 9,58
